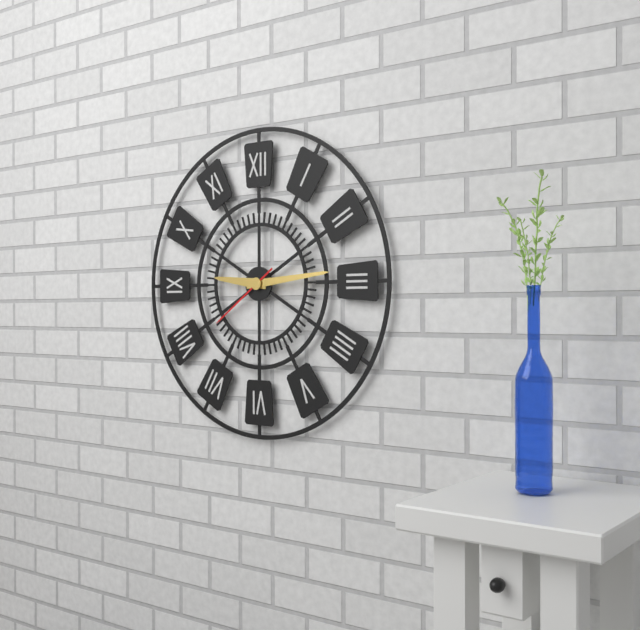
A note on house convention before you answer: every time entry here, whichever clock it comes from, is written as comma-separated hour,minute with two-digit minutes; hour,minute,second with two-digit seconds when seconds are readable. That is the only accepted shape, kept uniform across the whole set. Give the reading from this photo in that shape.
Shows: 9,14,39
